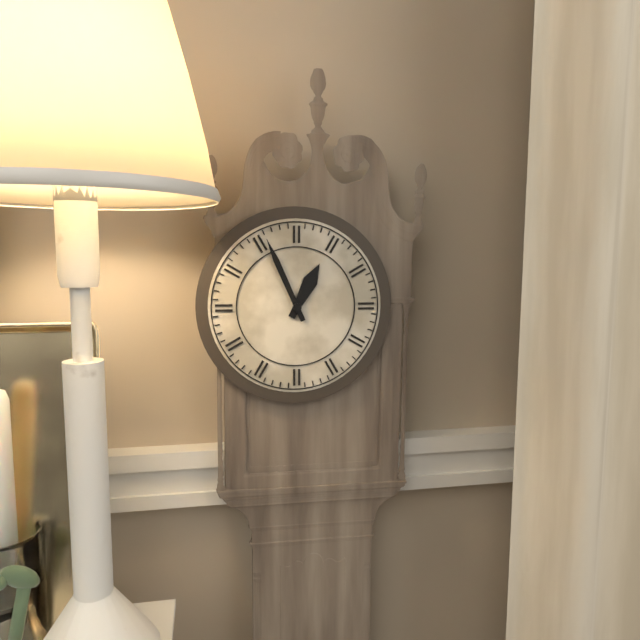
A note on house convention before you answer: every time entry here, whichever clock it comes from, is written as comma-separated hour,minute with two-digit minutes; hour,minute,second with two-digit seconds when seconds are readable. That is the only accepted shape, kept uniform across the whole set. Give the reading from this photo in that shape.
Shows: 12,56
